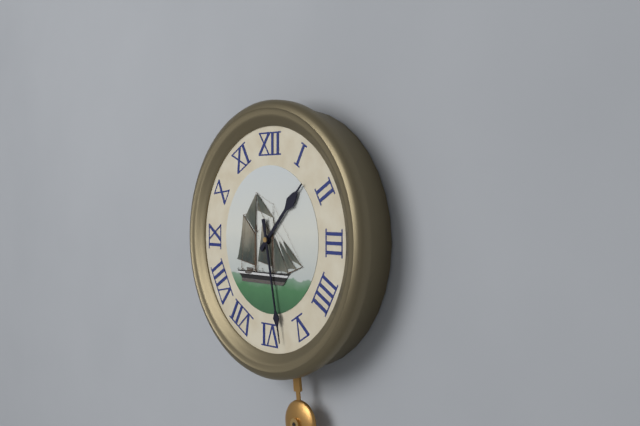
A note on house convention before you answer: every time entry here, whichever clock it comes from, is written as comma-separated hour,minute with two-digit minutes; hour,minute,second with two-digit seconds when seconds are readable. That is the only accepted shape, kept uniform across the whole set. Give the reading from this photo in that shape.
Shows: 1,28
